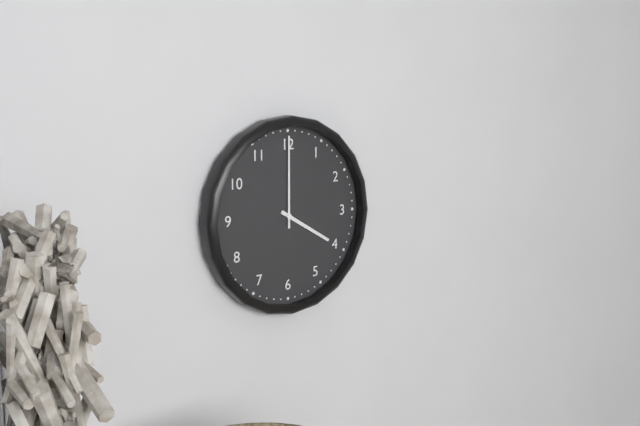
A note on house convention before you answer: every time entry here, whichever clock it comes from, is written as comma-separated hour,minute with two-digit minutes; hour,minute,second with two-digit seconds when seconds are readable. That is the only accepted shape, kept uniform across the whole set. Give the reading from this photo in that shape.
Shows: 4,00
